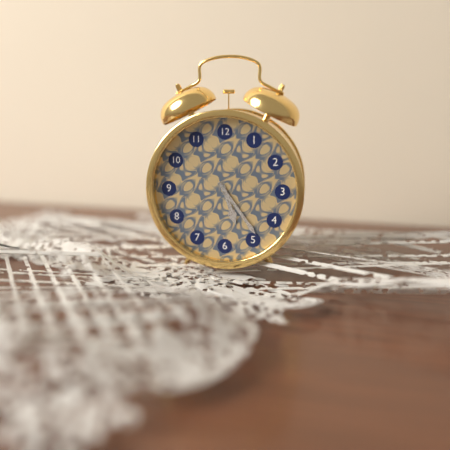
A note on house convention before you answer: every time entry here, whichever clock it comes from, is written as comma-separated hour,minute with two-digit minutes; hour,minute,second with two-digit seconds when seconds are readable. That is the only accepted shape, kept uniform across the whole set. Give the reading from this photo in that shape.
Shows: 5,24
